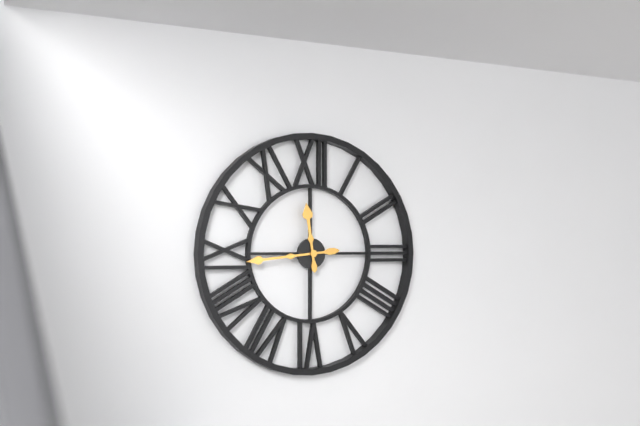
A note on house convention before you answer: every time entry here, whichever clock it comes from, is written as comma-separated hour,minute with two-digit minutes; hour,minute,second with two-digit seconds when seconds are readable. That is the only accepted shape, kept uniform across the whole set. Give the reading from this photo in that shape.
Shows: 11,44
